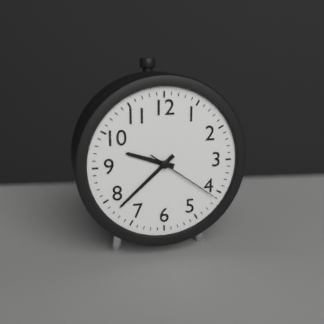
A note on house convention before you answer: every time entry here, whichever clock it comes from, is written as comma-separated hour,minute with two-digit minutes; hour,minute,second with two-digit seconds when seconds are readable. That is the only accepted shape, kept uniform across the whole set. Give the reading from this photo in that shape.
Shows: 9,38,21
